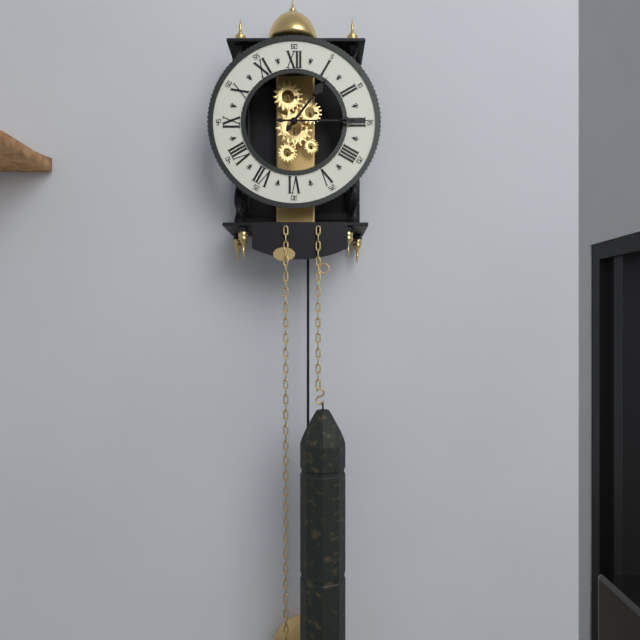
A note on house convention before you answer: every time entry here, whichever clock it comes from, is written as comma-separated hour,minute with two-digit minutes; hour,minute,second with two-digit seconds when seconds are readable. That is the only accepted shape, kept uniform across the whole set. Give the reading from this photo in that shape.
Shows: 1,15
